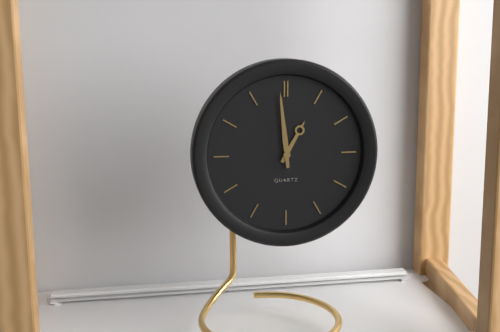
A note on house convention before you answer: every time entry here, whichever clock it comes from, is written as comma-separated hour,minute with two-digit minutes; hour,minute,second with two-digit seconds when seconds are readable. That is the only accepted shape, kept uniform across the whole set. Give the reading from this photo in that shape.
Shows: 12,59
